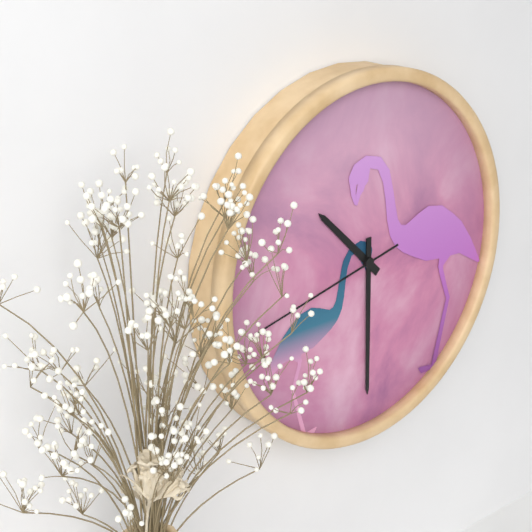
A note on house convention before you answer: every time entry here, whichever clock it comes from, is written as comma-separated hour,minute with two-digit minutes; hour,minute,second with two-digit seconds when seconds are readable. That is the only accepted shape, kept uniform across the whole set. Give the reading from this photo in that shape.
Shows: 10,30,43
